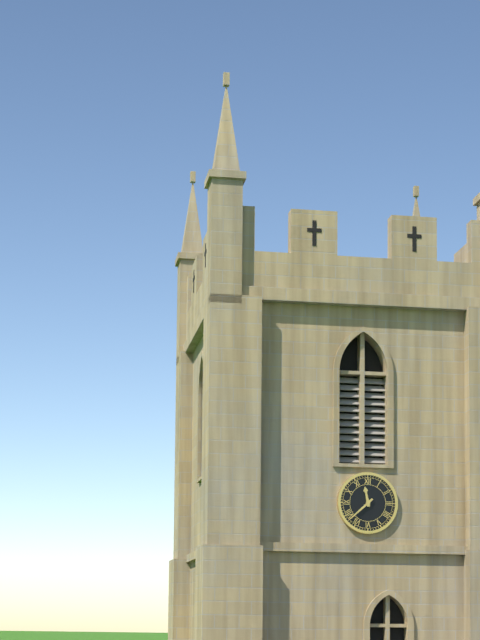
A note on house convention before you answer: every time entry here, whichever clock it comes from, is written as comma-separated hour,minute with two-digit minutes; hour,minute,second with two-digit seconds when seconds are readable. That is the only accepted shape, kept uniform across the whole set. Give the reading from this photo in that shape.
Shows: 11,38
